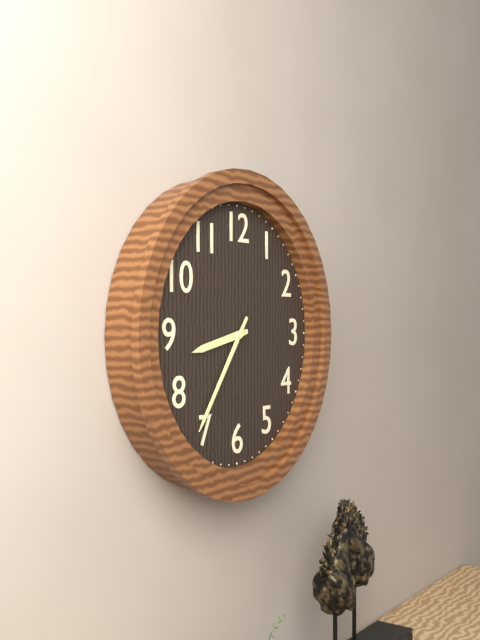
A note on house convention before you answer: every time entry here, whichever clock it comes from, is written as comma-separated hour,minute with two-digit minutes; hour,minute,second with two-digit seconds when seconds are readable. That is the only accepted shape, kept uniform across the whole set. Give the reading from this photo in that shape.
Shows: 8,36
